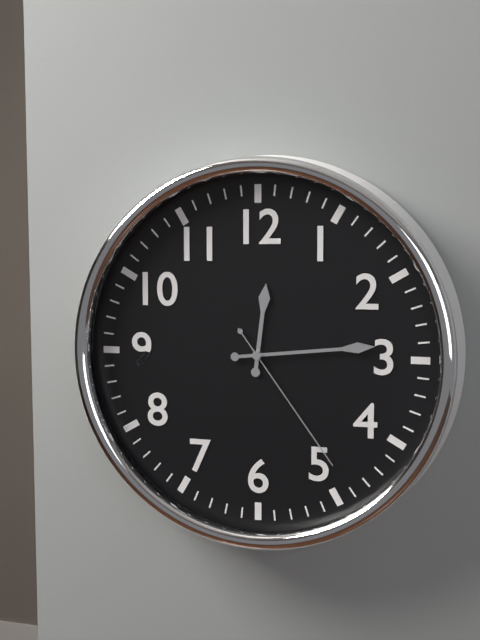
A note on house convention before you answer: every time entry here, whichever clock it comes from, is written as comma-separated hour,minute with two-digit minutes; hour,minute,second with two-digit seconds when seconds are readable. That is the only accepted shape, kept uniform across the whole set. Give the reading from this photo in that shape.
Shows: 12,14,24
